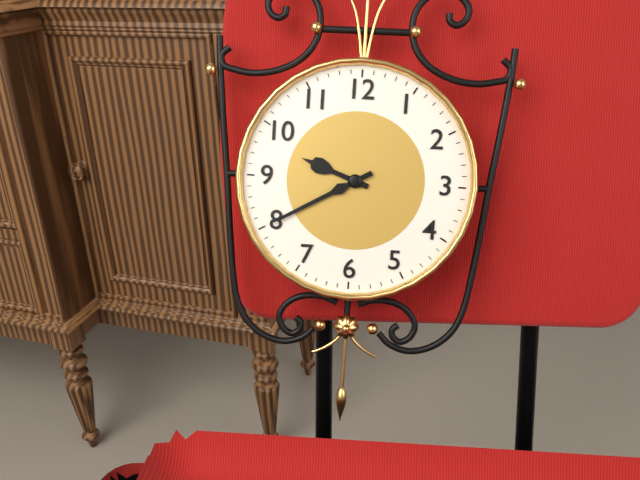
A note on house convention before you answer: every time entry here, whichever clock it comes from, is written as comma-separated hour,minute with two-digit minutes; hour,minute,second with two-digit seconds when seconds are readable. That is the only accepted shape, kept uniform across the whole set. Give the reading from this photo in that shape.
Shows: 9,40
